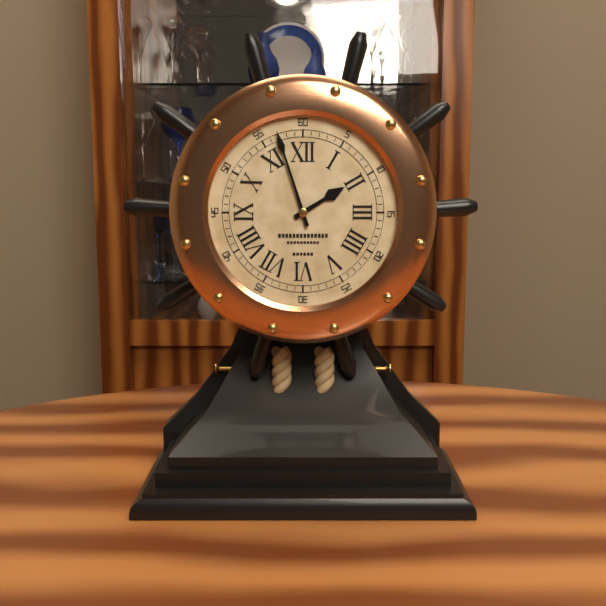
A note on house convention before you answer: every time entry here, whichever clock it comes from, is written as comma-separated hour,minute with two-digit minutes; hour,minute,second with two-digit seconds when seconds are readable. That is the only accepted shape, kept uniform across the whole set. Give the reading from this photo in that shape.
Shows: 1,57
